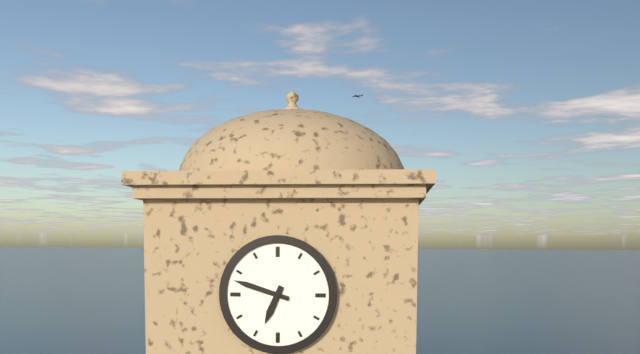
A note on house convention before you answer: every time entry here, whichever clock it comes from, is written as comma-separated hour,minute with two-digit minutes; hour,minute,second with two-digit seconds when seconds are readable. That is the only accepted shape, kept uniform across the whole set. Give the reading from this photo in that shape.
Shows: 6,48
